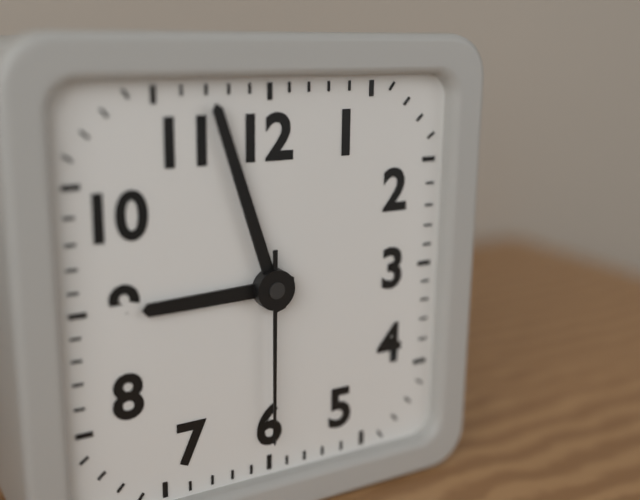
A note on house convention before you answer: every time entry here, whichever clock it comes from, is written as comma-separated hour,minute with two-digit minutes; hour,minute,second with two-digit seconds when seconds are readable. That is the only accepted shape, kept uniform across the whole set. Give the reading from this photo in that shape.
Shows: 8,57,30
